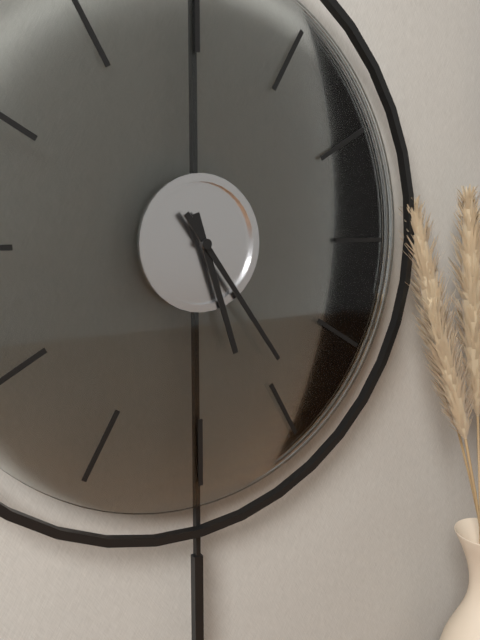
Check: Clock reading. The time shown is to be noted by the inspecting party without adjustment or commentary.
5:24
